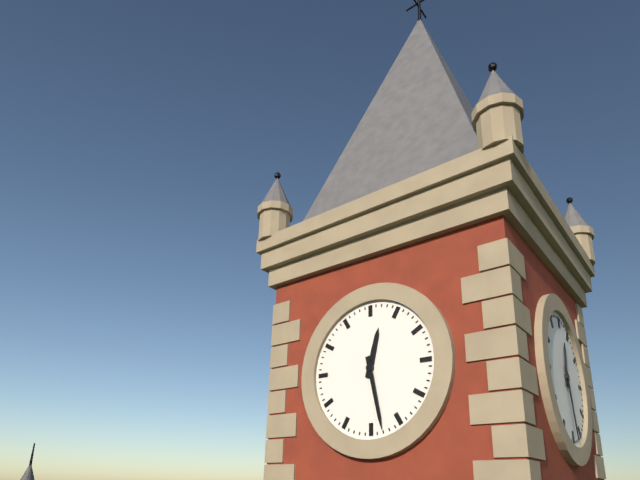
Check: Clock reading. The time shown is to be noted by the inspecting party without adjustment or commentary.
12:28
